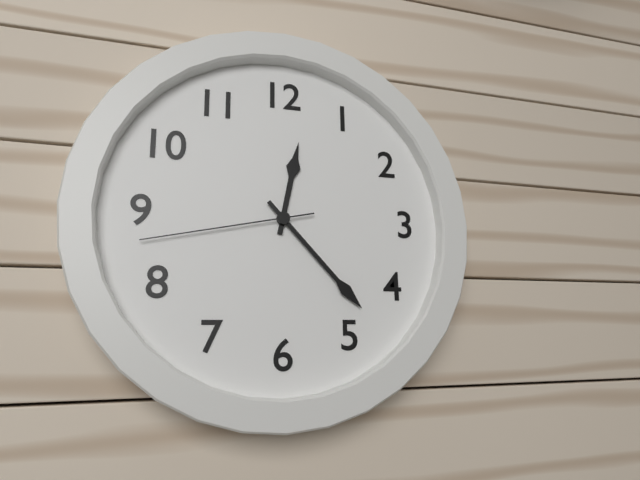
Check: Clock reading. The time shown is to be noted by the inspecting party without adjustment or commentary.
12:23:43
